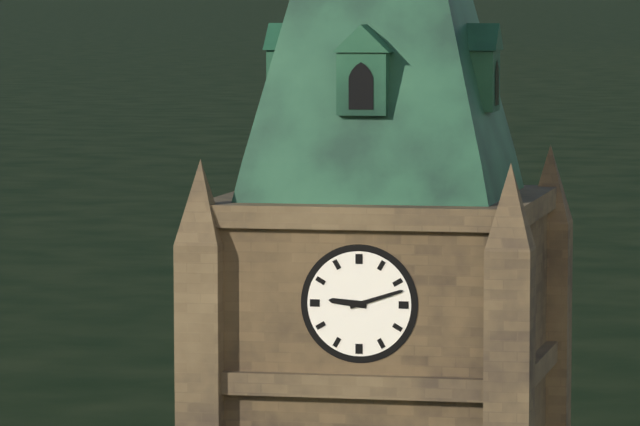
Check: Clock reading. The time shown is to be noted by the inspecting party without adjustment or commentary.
9:12
